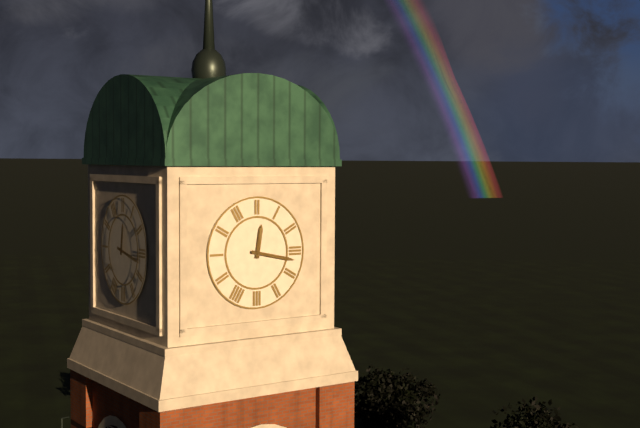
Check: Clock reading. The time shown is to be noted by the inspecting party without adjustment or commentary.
12:17
